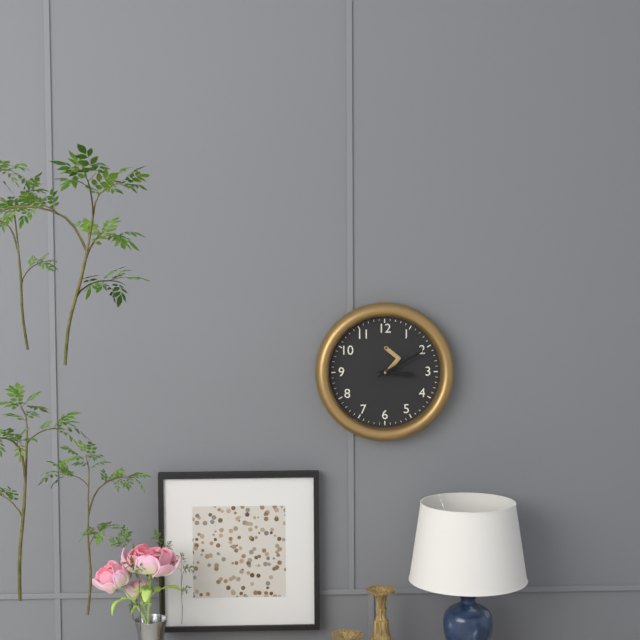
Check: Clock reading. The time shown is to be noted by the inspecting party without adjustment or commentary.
3:10
